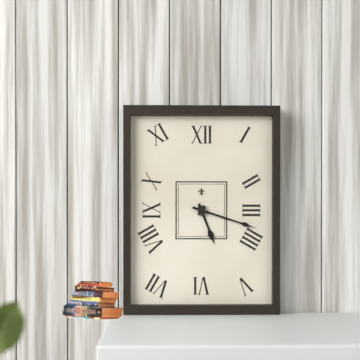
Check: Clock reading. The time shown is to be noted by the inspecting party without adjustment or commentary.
5:18
